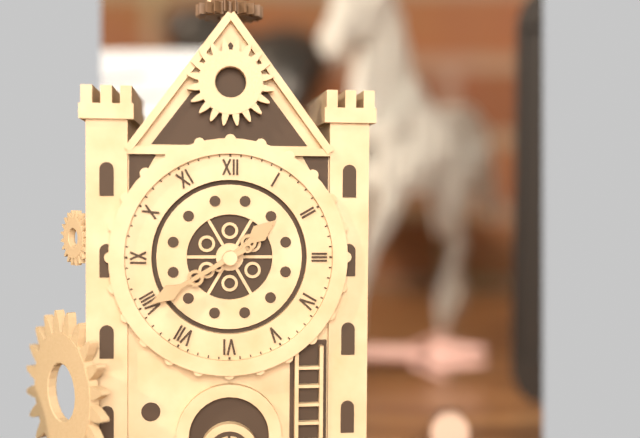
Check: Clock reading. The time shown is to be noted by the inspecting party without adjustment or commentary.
1:40
